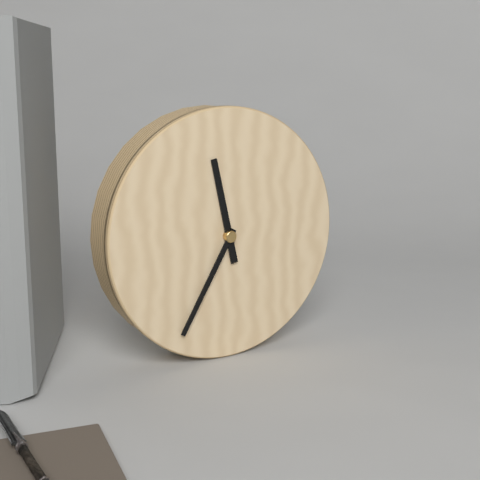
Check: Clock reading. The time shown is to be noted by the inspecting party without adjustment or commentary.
11:35
